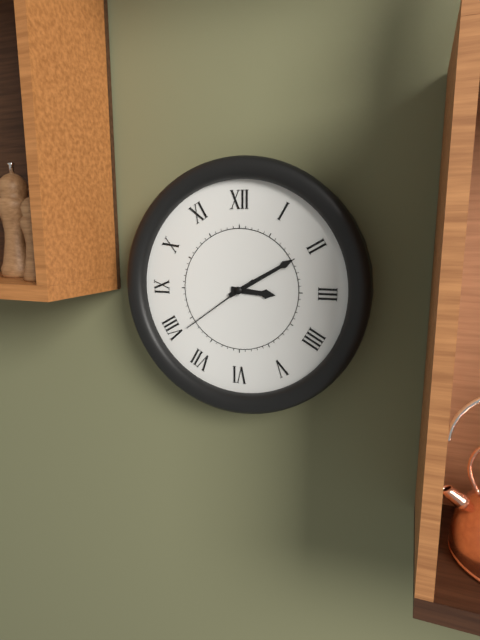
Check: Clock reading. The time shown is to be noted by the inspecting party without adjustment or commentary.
3:10:39
